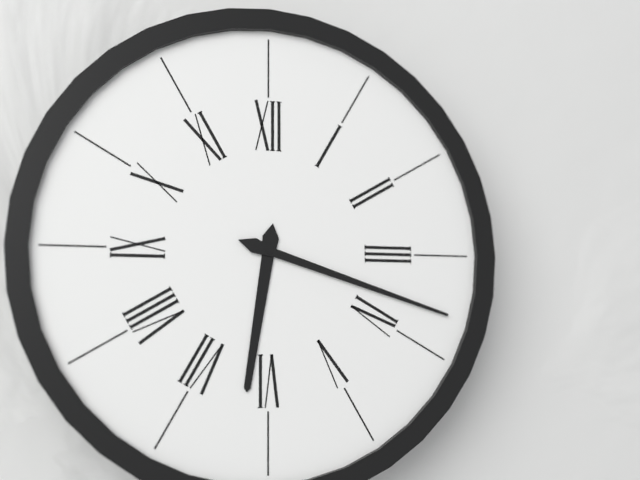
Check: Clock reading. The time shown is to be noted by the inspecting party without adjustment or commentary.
6:18
